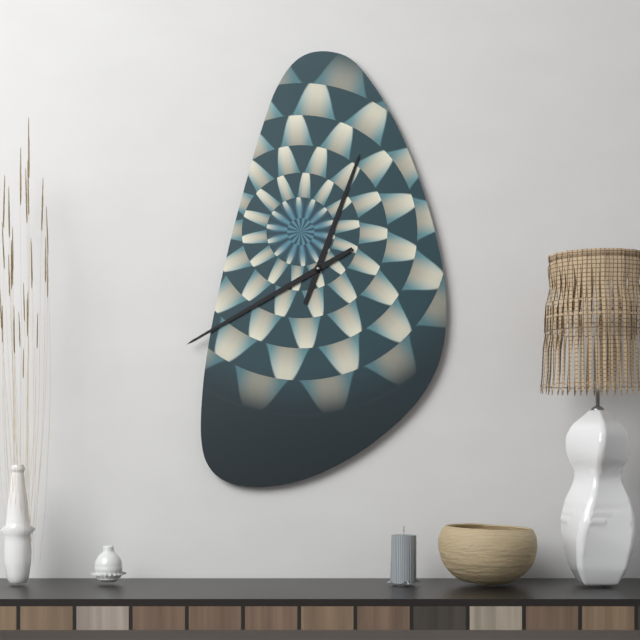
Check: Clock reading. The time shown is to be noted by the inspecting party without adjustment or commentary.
12:40
